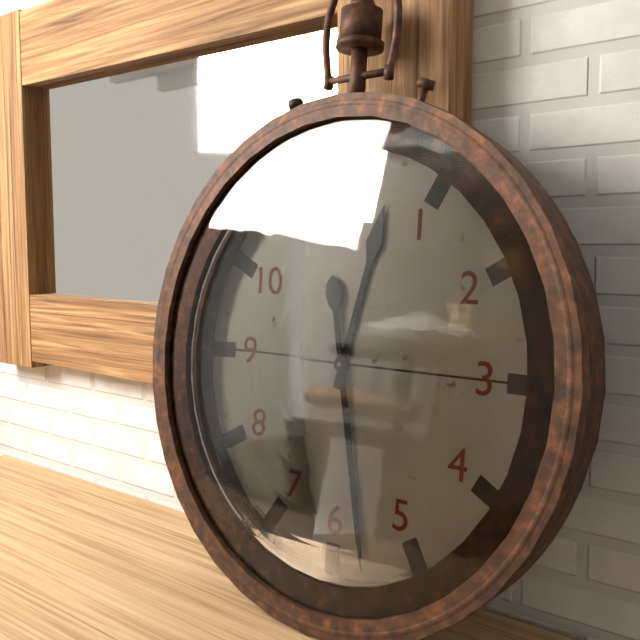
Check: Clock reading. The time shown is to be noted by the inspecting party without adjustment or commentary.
12:28
